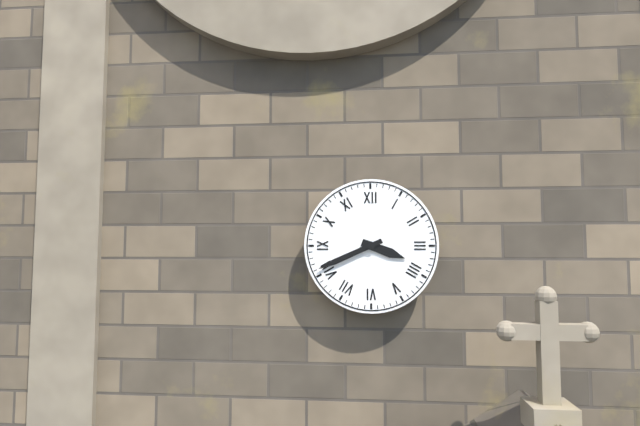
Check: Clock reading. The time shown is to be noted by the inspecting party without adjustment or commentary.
3:41
